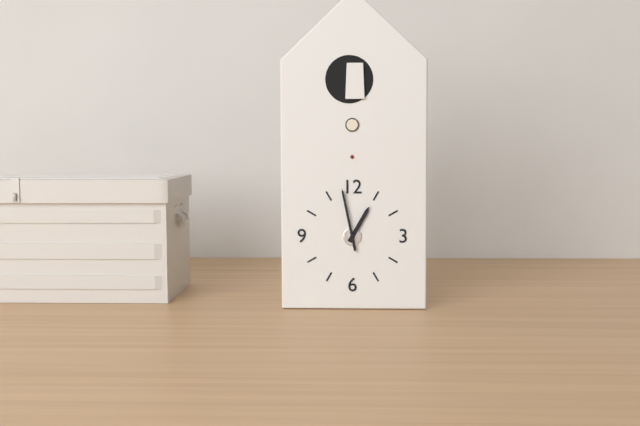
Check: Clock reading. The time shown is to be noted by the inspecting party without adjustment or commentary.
12:58
